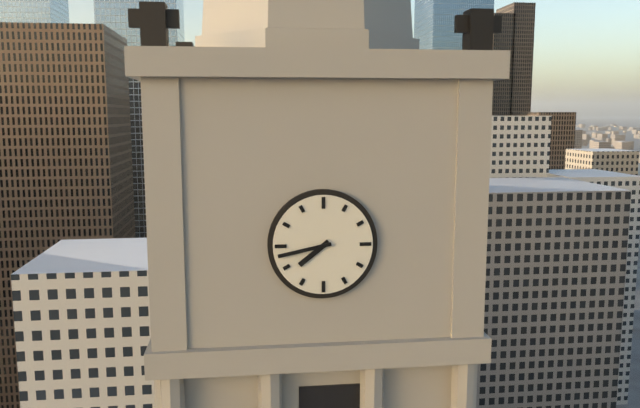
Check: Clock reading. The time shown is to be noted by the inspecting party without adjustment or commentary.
7:43
